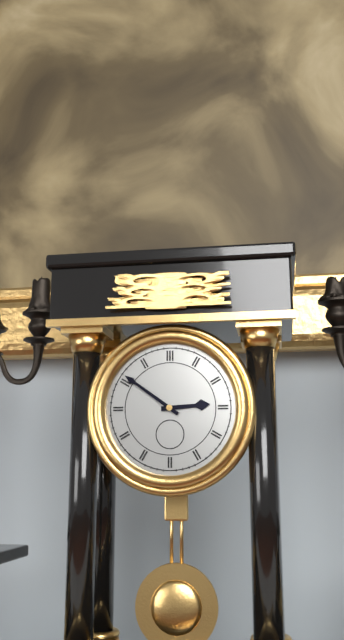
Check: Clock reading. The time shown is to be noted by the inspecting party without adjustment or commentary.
2:51
